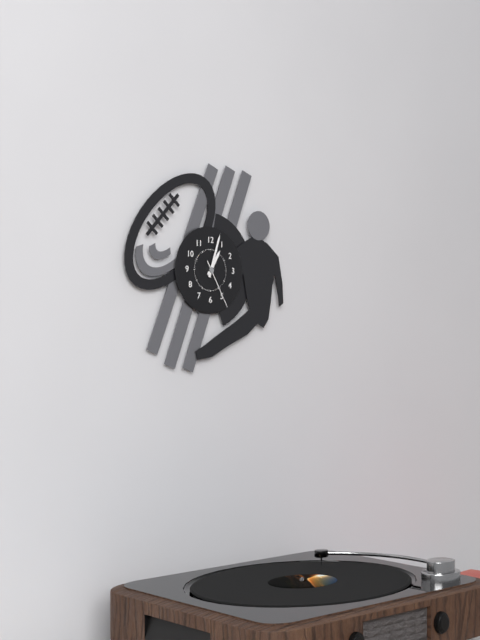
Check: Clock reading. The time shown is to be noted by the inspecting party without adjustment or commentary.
1:03:25
